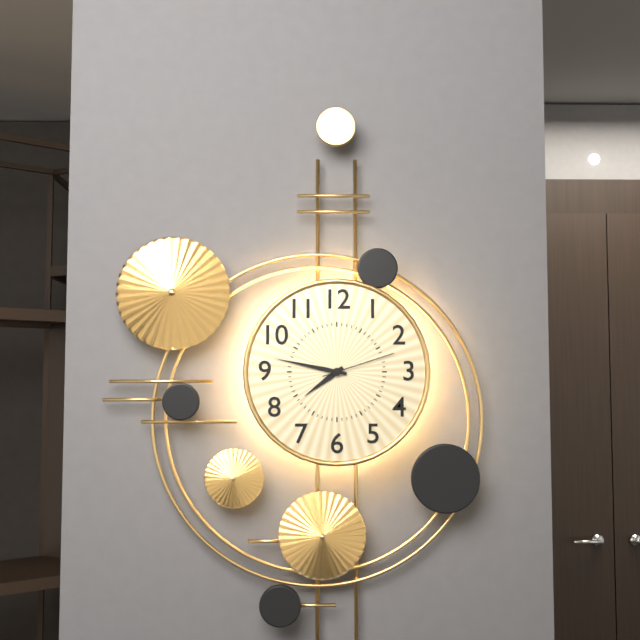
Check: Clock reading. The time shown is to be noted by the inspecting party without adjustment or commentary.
7:47:12
